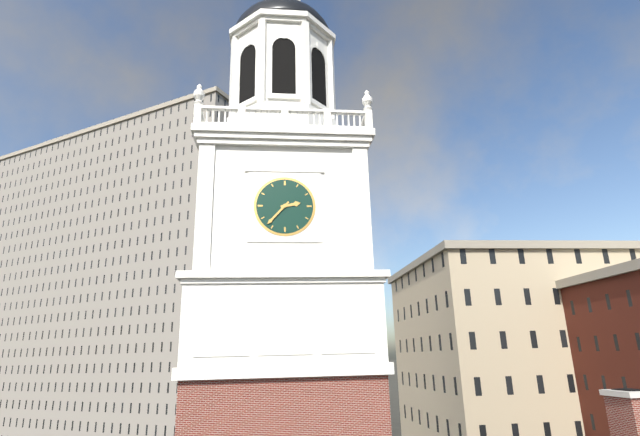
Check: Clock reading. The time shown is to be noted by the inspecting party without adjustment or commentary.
2:37
